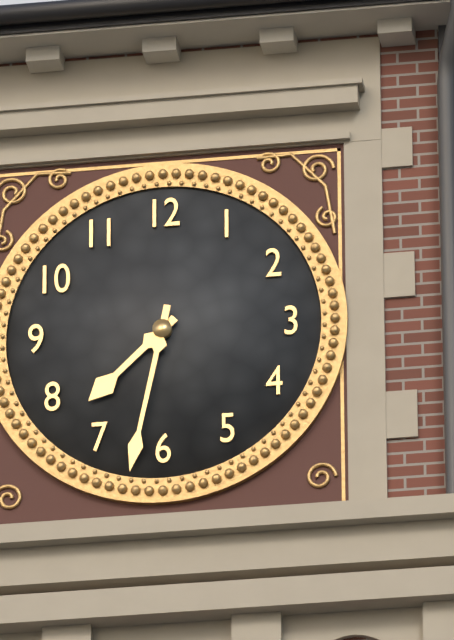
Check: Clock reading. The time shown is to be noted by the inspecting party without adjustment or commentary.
7:32
